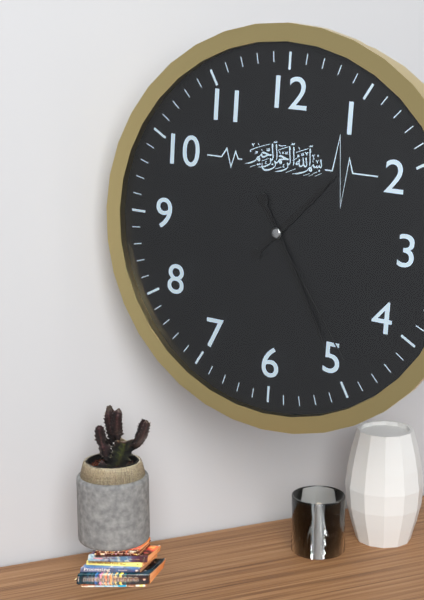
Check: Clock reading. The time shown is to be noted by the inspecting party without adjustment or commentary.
1:25:24
